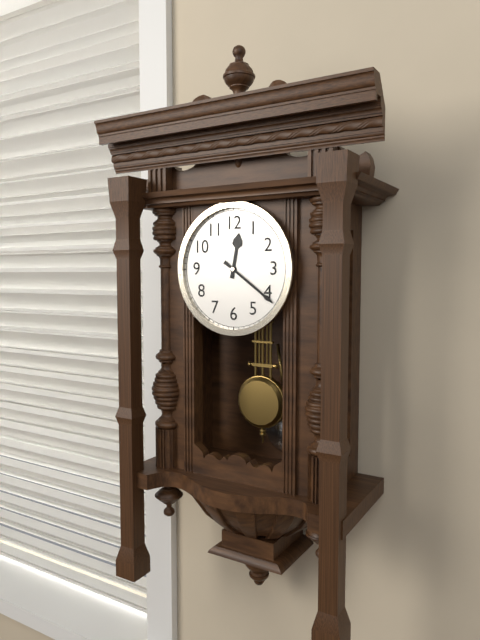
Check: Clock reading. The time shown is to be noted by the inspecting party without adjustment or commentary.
12:21
